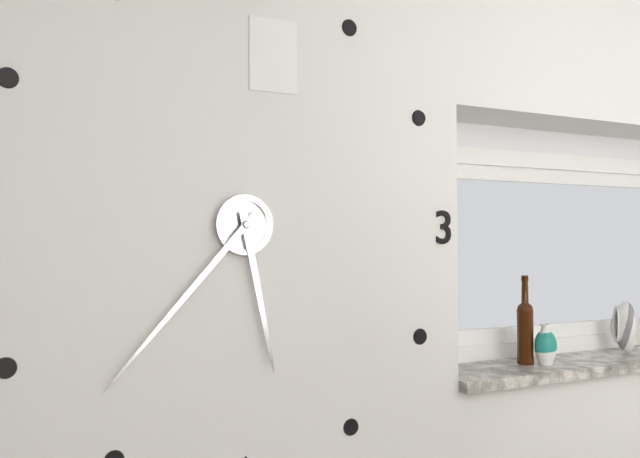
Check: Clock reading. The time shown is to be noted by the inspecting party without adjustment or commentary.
5:37
